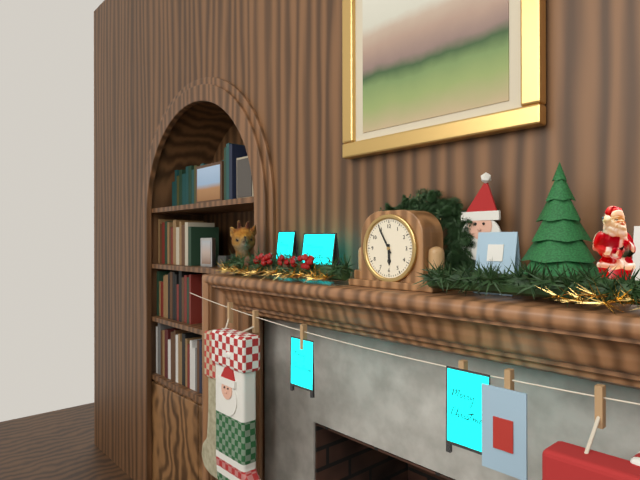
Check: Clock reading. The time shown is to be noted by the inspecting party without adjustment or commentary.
5:55
